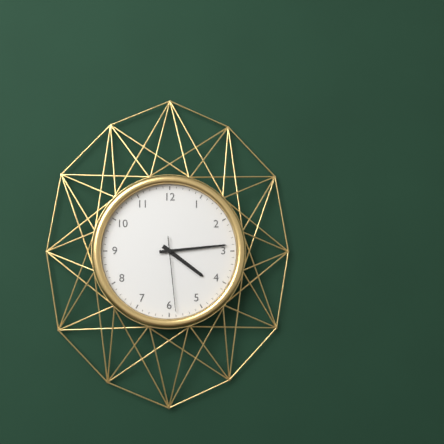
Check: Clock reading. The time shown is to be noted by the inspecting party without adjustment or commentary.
4:14:29
